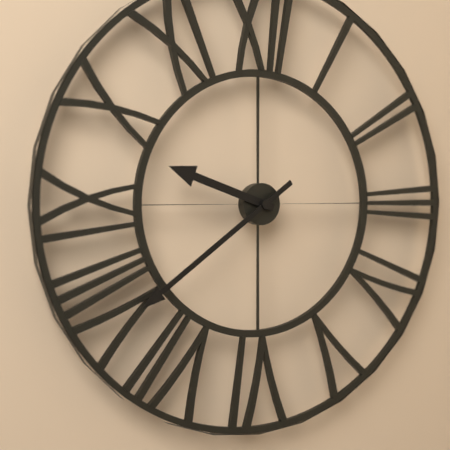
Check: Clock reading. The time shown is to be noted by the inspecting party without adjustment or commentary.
9:39
